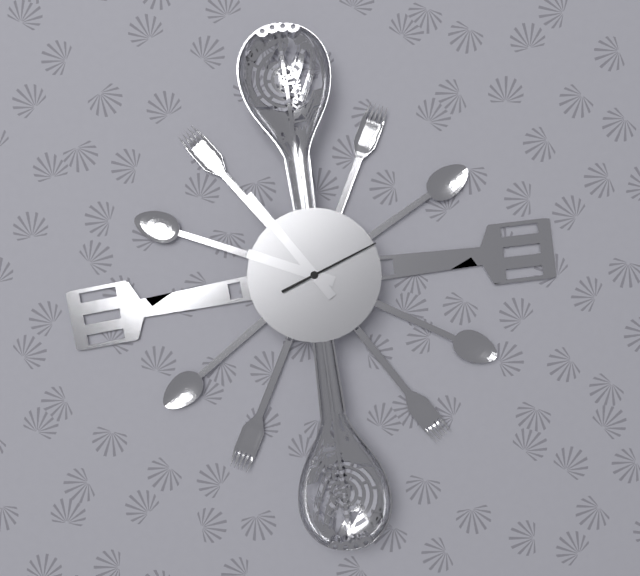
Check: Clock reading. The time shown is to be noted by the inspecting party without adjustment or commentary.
9:55:12
